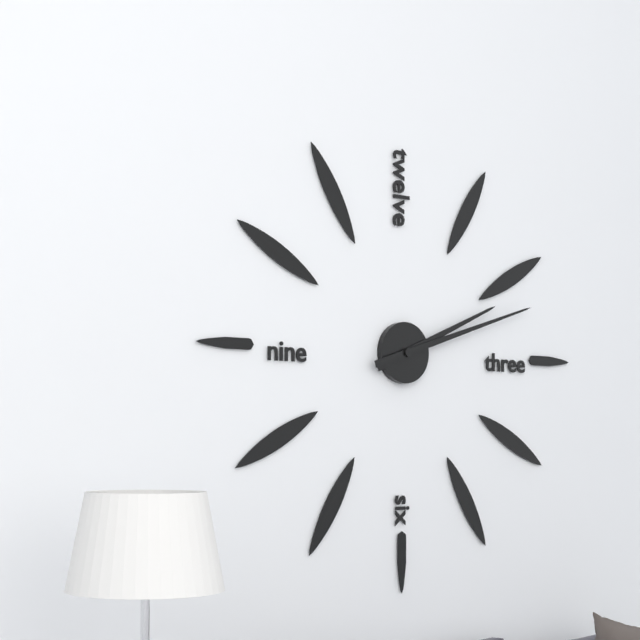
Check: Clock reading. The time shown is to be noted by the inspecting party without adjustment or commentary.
2:12
